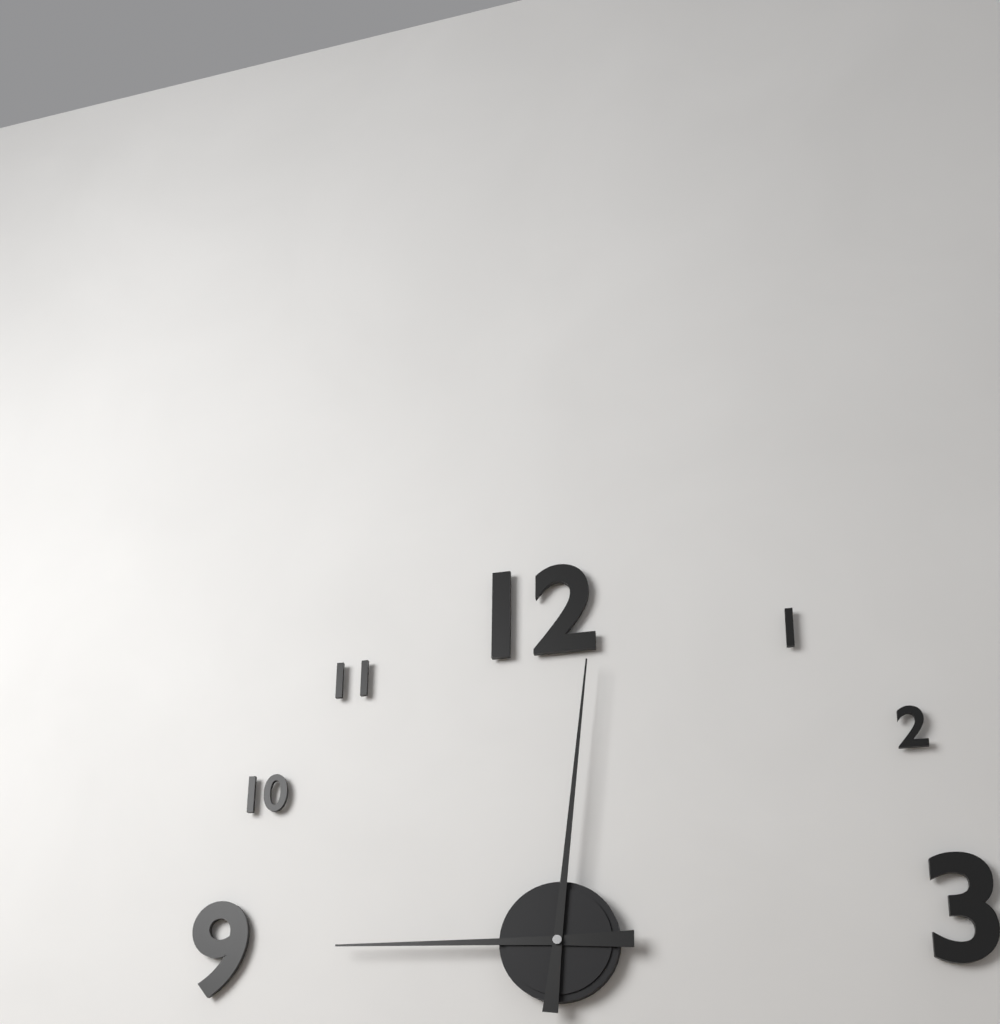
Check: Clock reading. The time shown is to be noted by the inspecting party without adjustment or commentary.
9:01
